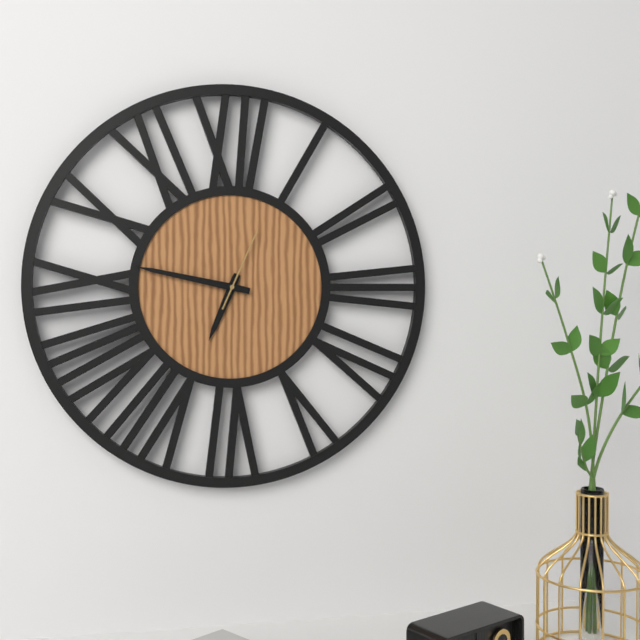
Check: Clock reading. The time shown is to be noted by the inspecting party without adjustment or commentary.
6:47:04
